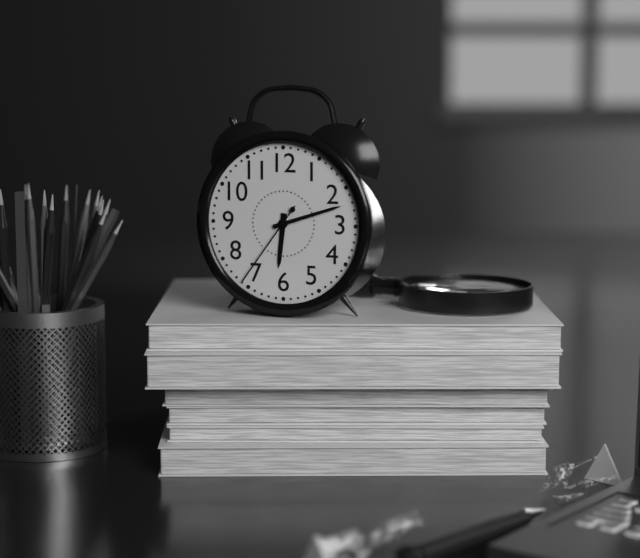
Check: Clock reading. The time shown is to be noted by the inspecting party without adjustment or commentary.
6:12:36
